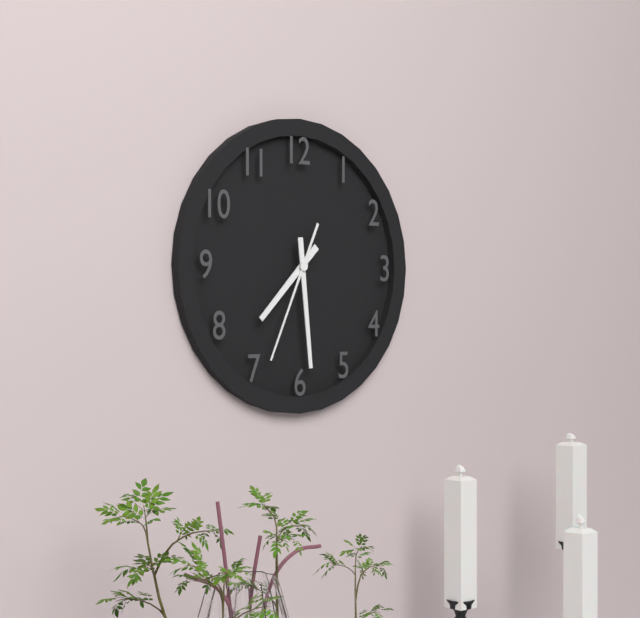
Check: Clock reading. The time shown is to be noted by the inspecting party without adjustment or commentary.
7:29:34
